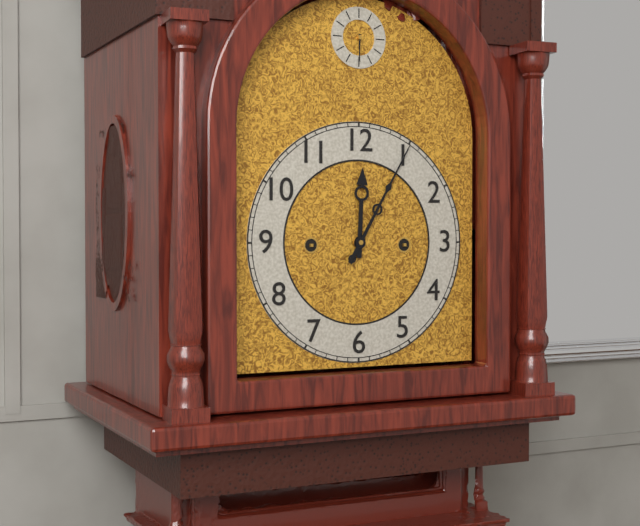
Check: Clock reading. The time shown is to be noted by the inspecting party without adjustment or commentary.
12:05
